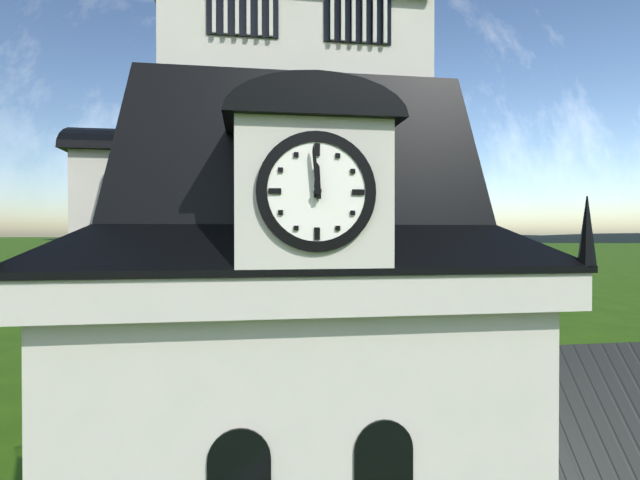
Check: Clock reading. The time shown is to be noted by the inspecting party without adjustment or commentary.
11:59
